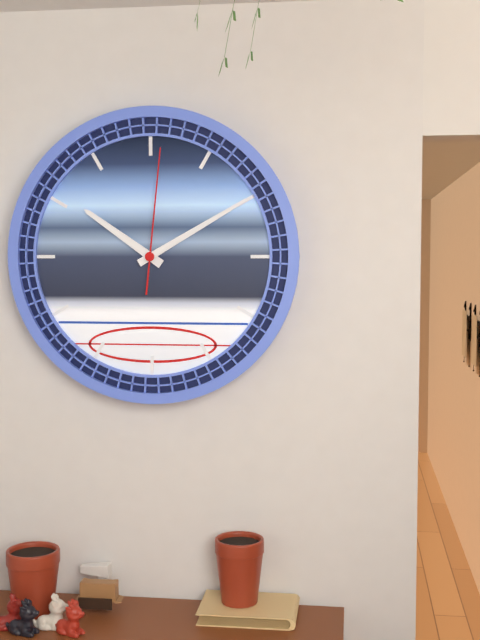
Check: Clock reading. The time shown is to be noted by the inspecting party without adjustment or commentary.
10:10:01
